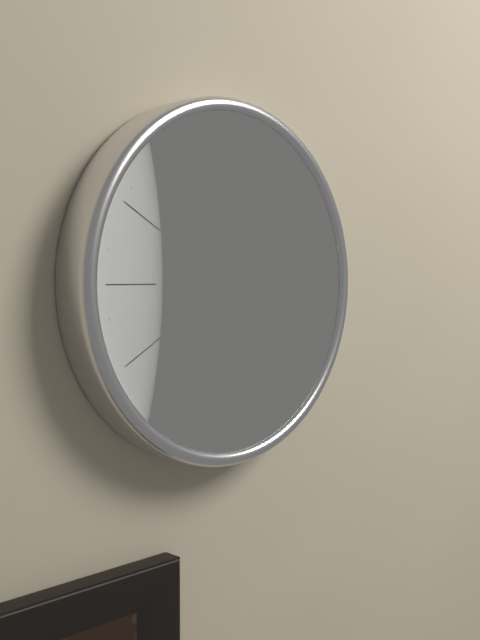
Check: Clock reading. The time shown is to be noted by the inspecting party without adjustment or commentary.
3:54
